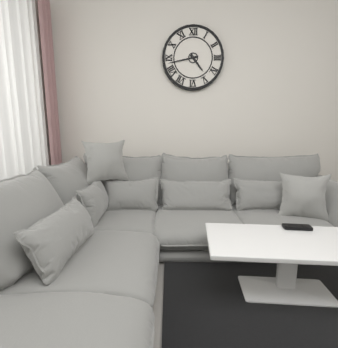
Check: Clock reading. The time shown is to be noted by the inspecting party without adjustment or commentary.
4:43
